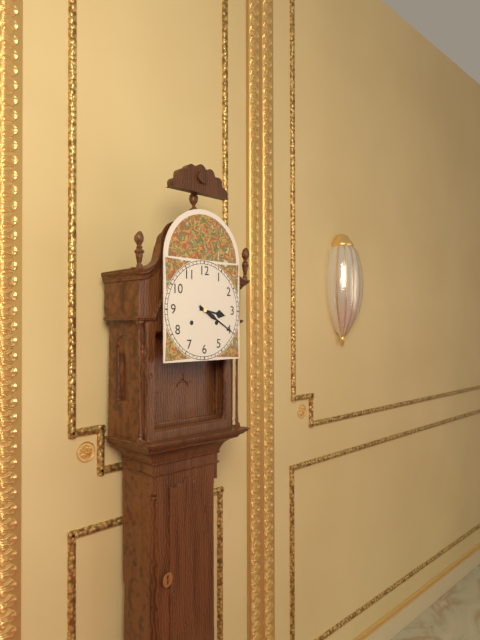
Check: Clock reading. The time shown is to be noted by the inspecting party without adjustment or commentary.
3:20
